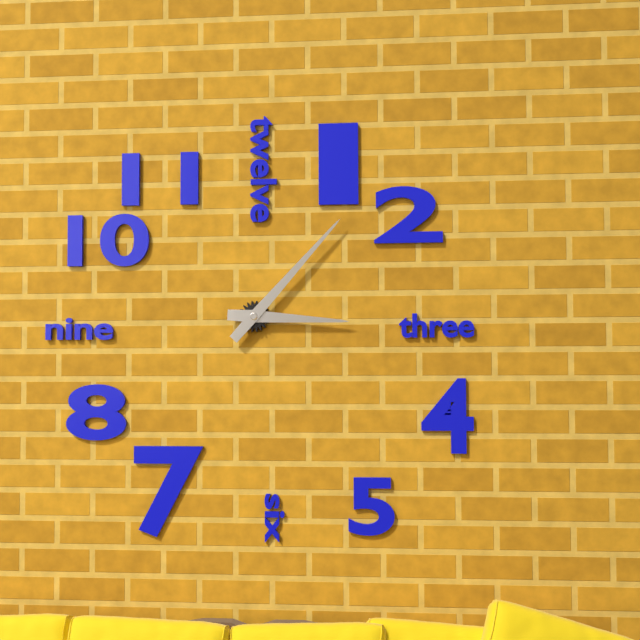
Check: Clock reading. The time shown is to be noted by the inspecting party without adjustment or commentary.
3:07
